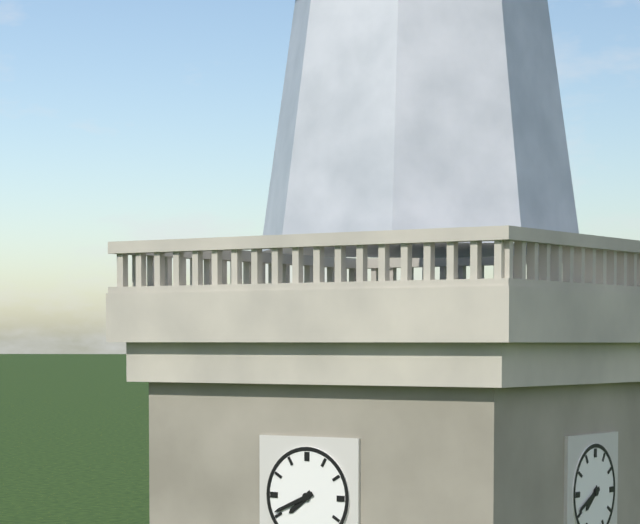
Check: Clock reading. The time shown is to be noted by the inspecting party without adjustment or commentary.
7:41
